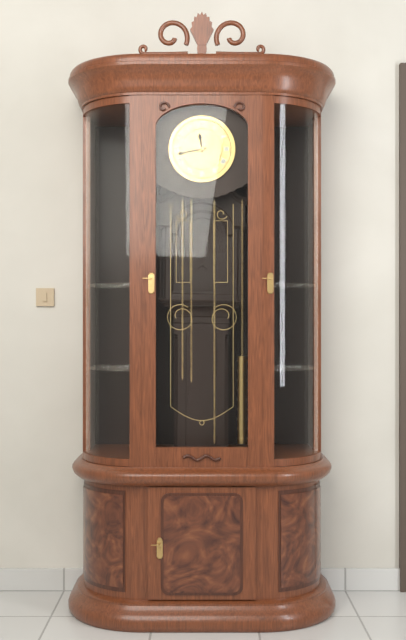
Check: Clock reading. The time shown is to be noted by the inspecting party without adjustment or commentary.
11:43
